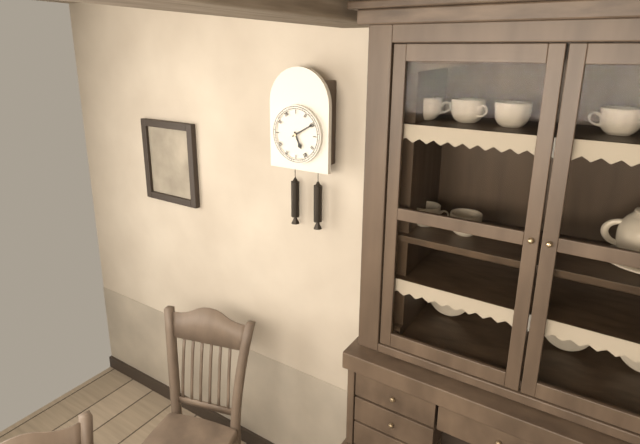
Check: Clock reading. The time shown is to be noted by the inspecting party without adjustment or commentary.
5:10
